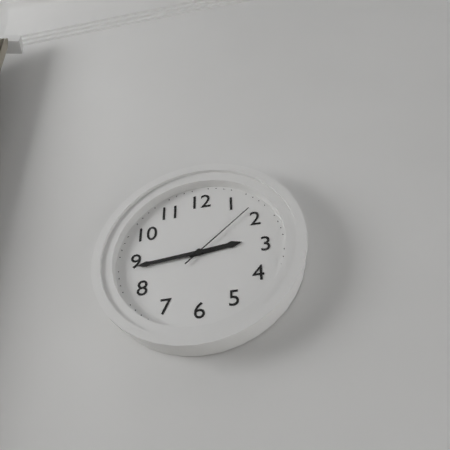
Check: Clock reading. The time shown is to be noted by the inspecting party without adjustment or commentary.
2:44:08
